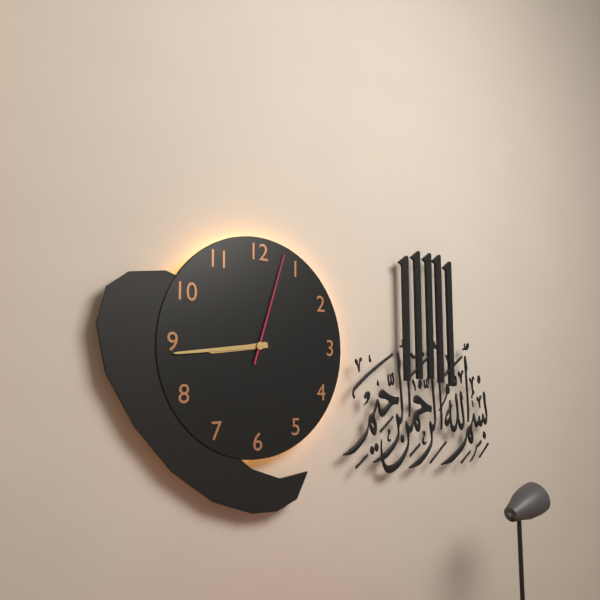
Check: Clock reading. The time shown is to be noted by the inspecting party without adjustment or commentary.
8:44:03
